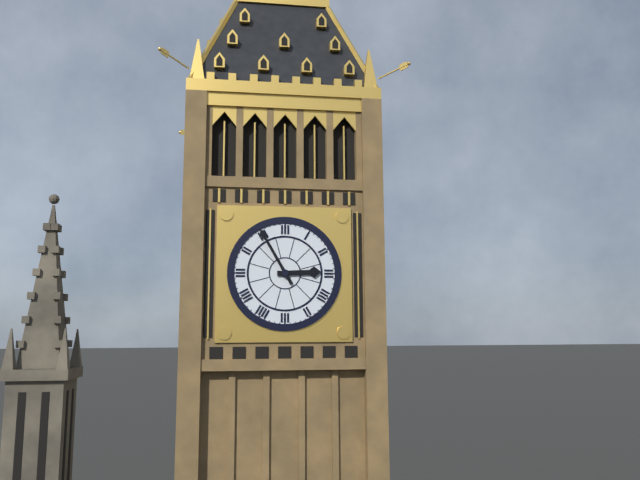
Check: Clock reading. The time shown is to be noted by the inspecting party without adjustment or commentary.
2:55
